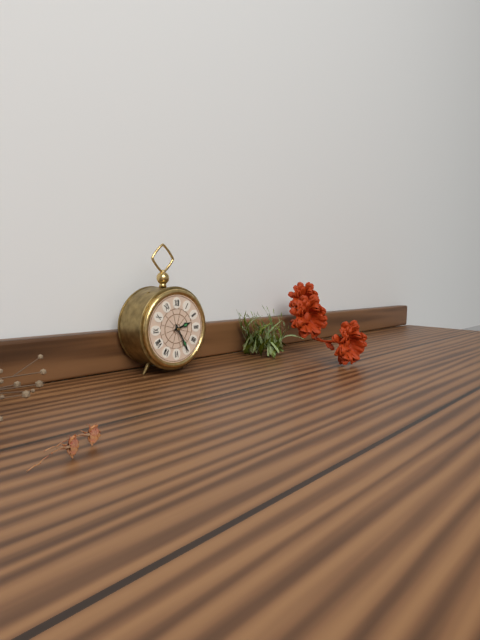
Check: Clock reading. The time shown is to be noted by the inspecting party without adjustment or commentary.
2:25
